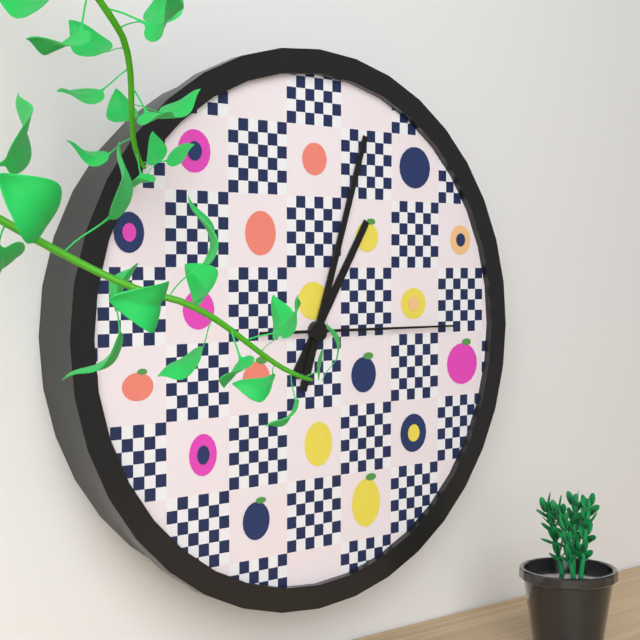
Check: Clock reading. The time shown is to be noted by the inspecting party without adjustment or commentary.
1:03:15
